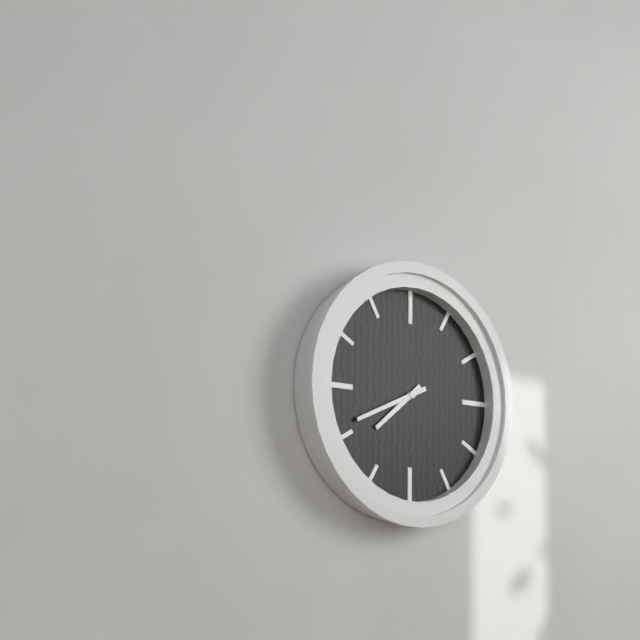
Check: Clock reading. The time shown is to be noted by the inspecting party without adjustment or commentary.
7:41
